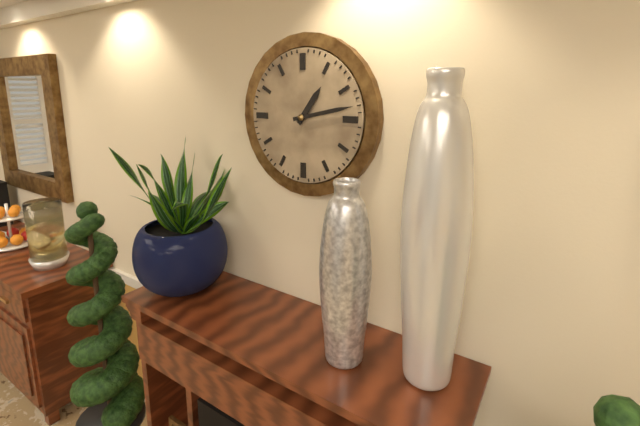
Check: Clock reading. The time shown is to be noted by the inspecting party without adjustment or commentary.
1:13
